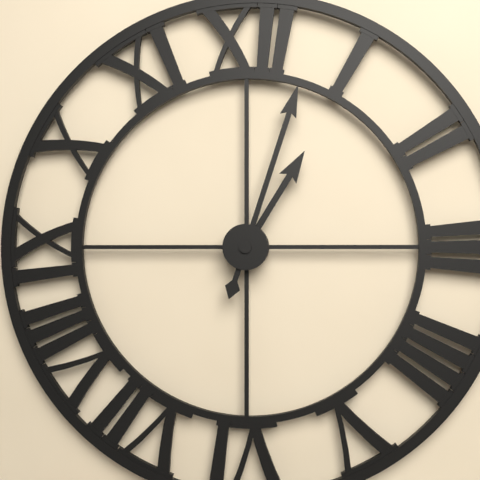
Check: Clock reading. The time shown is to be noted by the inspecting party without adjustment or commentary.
1:03
